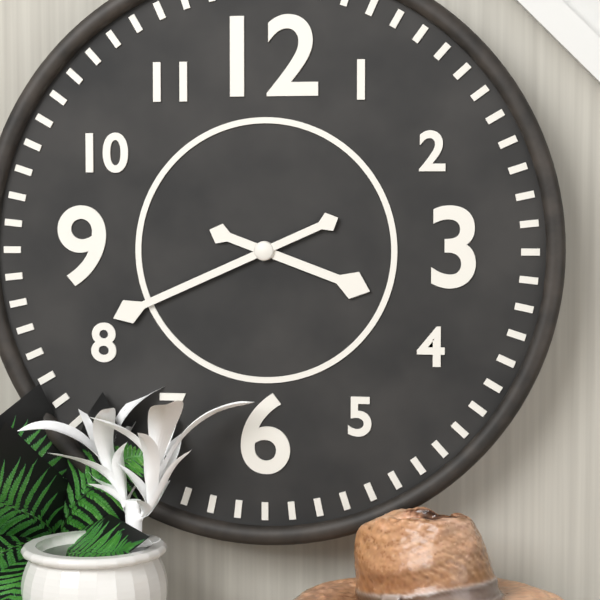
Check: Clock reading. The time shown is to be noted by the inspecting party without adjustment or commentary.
3:41
